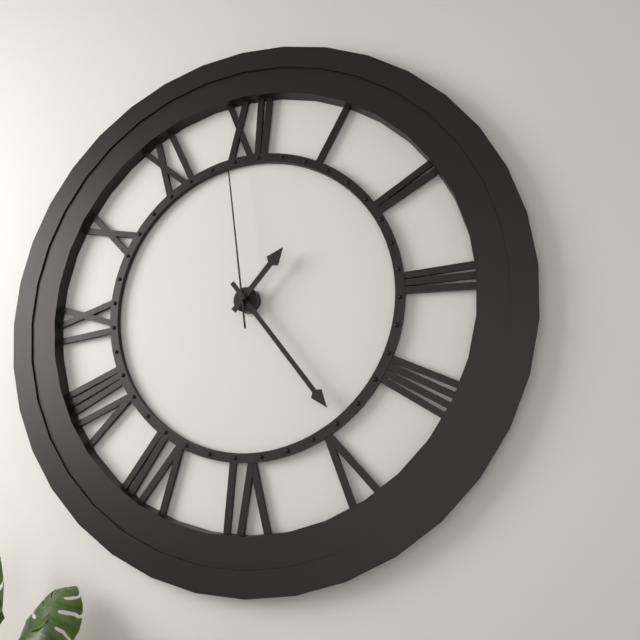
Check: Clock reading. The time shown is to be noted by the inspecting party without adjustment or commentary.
1:24:59
